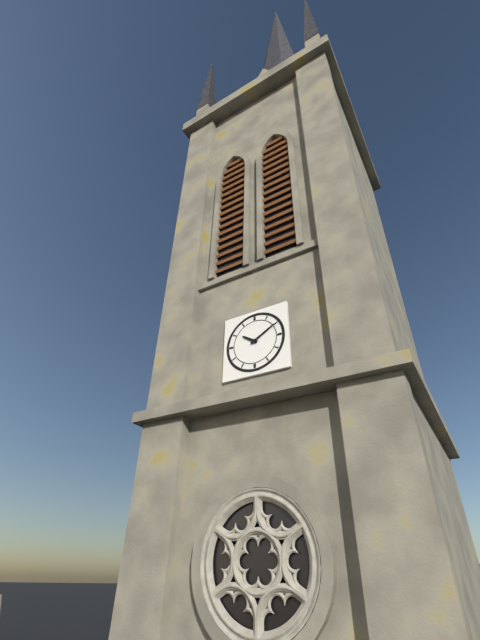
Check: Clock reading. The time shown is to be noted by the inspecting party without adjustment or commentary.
10:10
